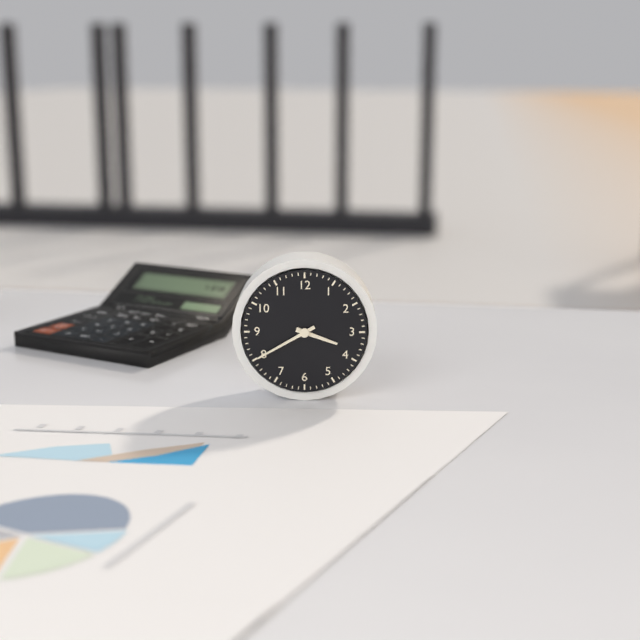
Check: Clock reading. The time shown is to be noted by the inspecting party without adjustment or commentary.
3:40
